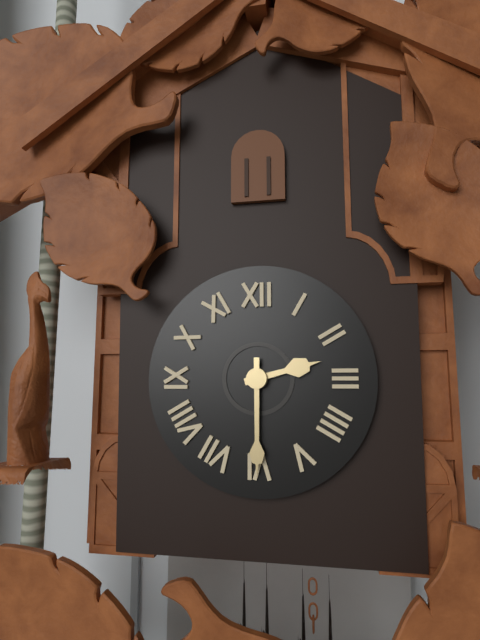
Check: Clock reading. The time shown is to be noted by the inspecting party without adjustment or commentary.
2:30
